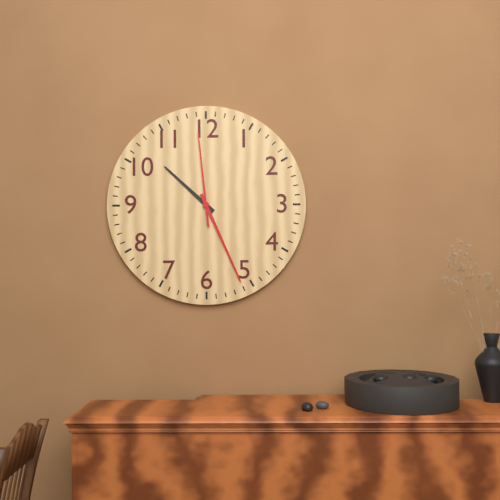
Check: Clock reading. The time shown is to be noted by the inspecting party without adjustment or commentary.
10:26:59
